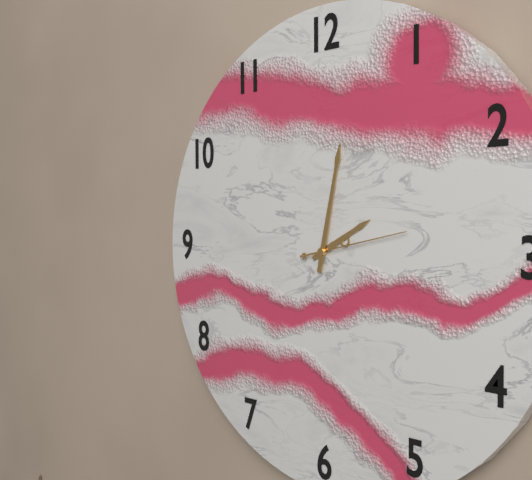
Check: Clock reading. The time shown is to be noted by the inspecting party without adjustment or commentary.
2:02:13
